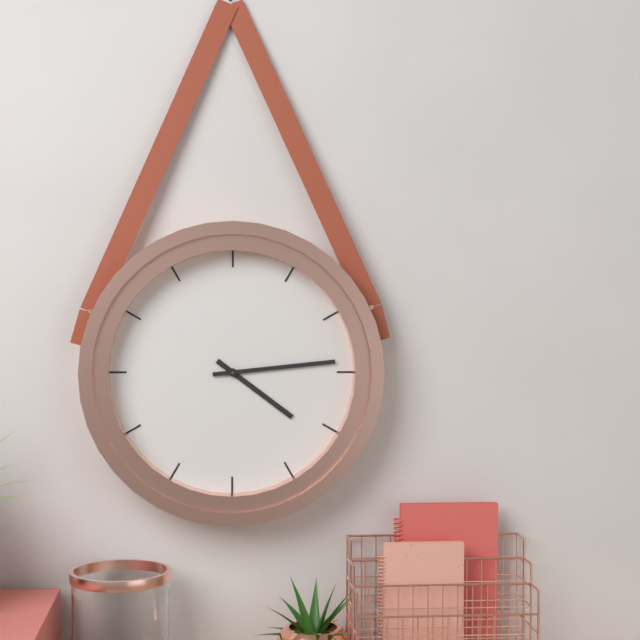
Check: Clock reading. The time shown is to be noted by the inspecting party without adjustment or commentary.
4:14
